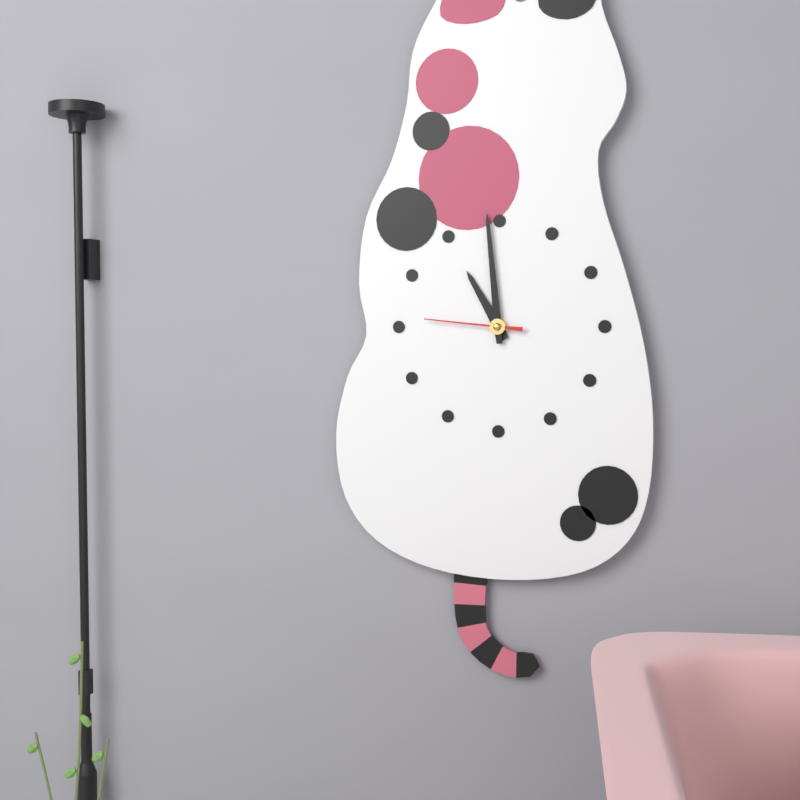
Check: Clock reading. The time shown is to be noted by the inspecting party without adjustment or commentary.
10:59:46
